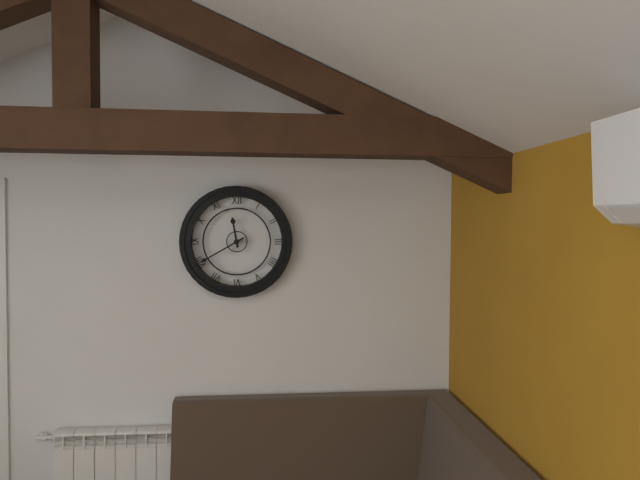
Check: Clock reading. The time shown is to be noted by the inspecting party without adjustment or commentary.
11:40
